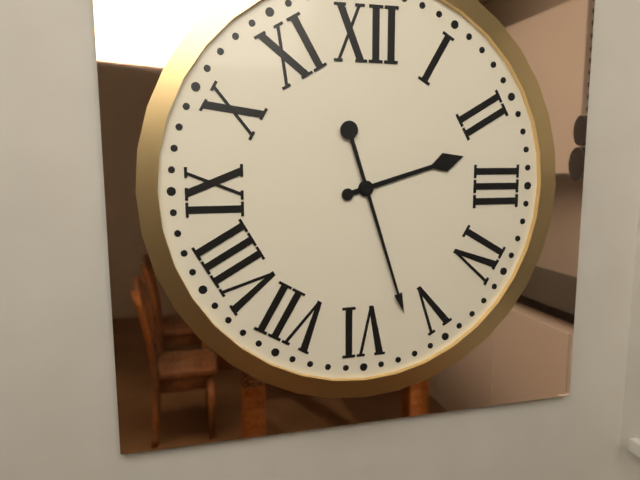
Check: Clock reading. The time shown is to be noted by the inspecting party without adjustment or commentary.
2:27
